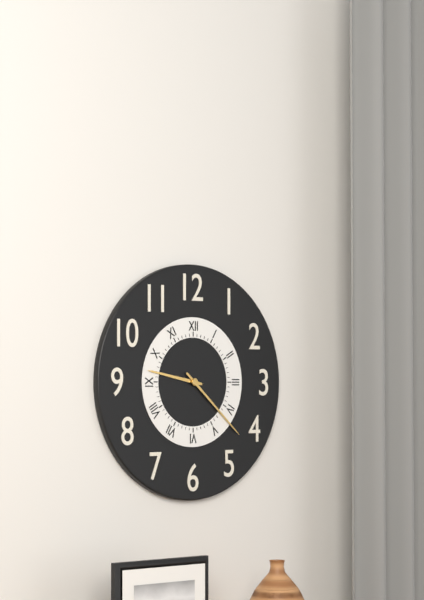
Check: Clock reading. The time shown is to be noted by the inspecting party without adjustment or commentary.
9:22
